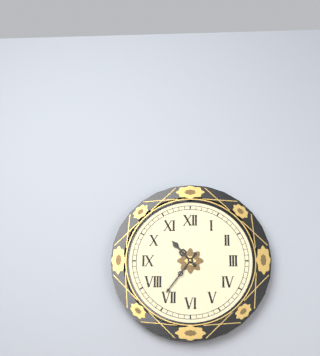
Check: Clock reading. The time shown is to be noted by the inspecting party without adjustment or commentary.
10:36
